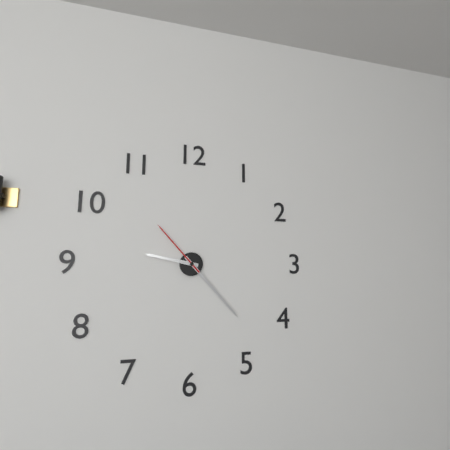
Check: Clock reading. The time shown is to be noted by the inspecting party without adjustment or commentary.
9:23:53
